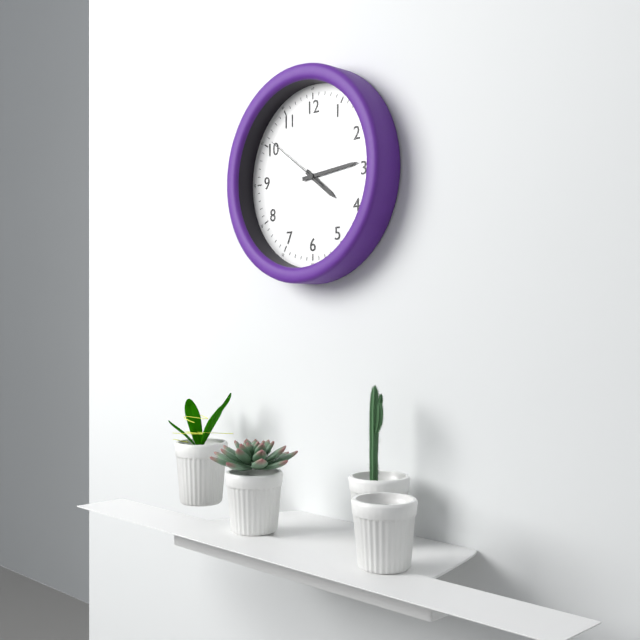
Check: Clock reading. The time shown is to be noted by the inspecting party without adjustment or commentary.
4:14:51
